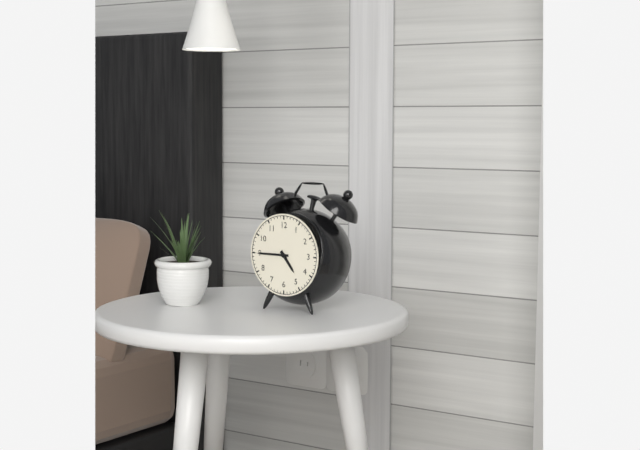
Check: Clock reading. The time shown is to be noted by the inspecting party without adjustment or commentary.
4:45
